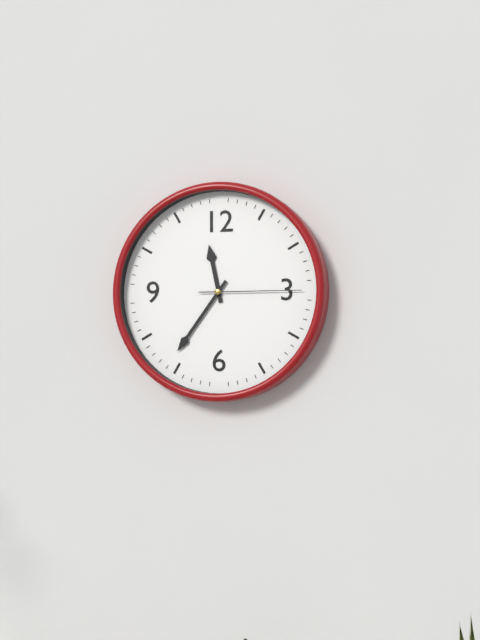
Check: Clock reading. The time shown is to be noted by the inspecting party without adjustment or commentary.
11:36:15
